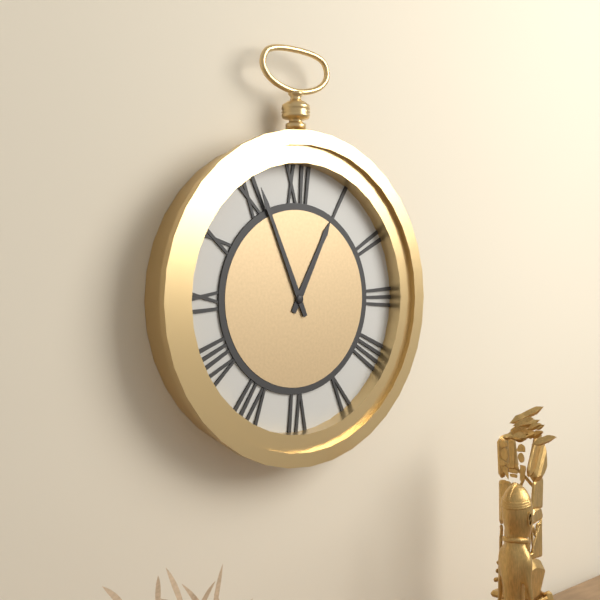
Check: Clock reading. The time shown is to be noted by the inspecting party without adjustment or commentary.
12:56
